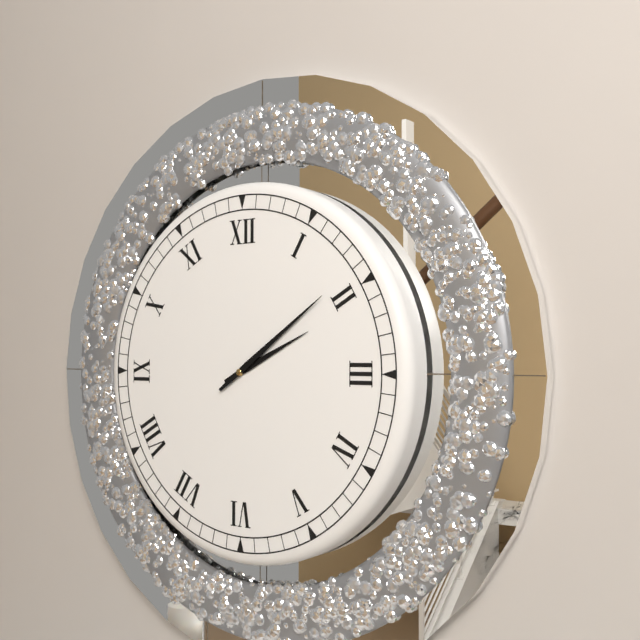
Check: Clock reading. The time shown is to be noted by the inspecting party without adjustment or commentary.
2:09
